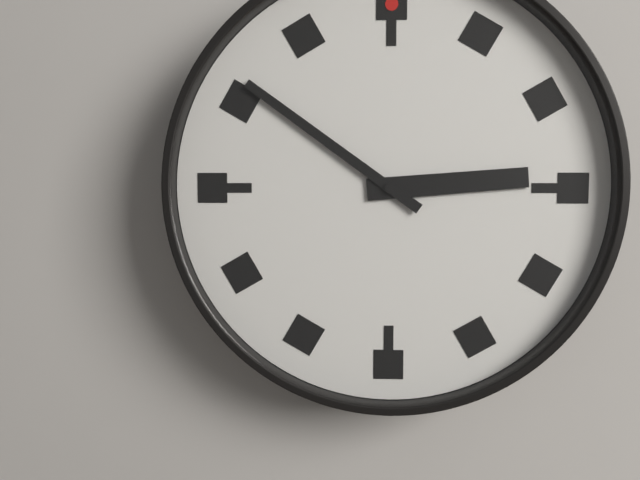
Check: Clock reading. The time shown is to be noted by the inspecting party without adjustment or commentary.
2:51
